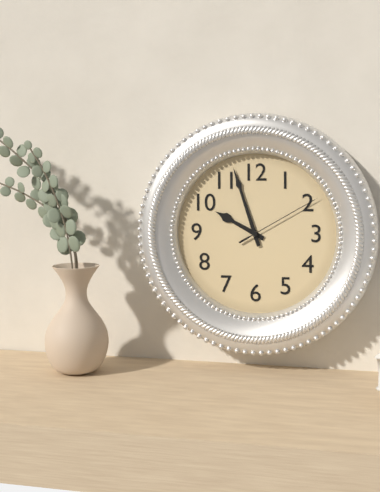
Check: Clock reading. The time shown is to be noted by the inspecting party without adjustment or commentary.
9:57:10
